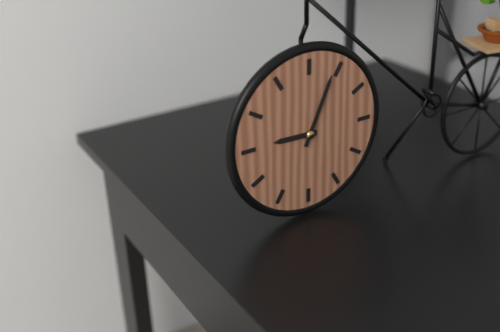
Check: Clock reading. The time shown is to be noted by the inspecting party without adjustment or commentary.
9:04
